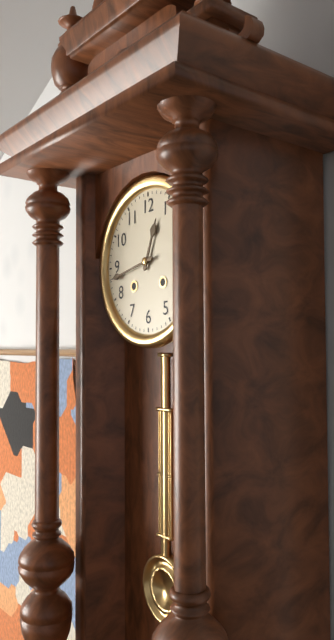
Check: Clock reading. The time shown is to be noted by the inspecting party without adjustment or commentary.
12:43
